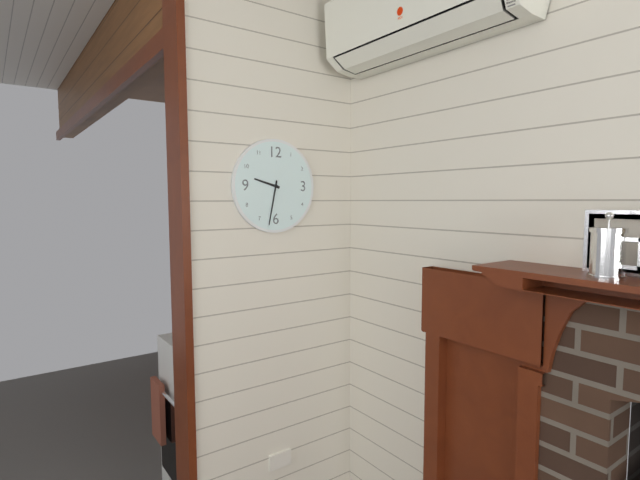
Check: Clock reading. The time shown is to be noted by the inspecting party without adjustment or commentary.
9:32
